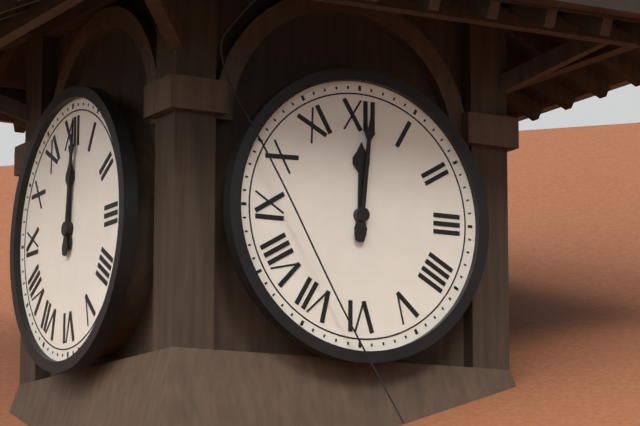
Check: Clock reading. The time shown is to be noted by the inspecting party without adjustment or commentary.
12:01
